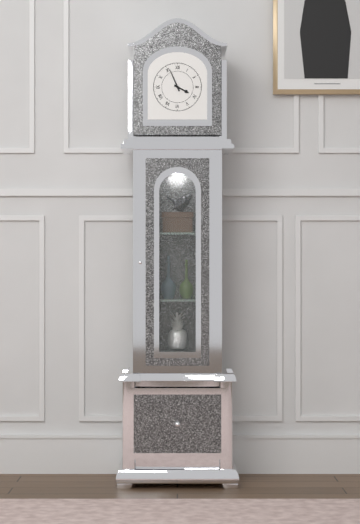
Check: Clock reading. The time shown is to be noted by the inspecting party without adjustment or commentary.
3:56
